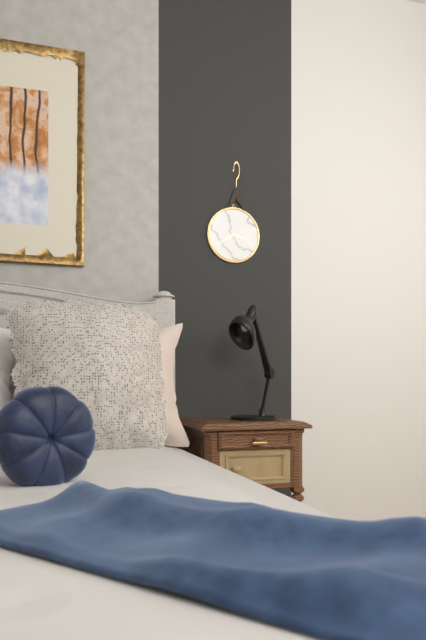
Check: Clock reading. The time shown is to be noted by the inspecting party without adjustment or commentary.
3:40
